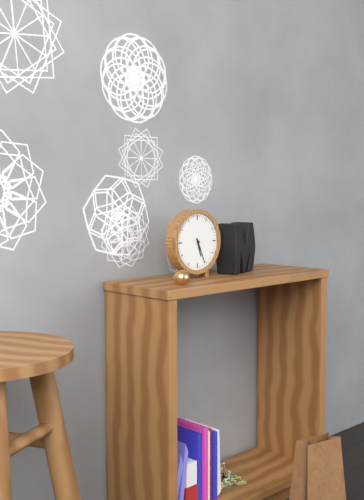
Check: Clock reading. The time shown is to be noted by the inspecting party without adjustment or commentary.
5:26
